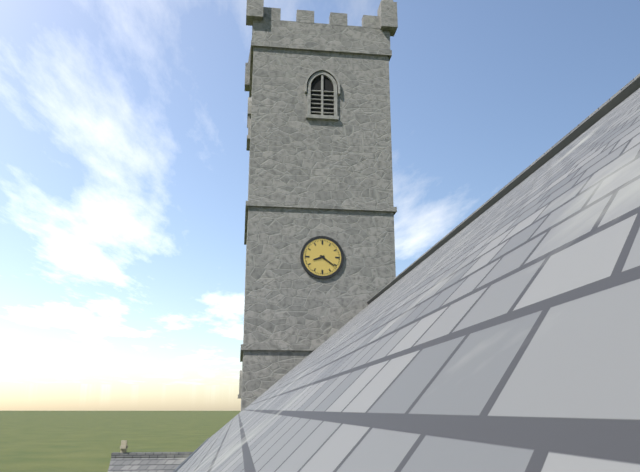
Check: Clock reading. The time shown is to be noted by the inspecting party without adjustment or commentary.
8:21
